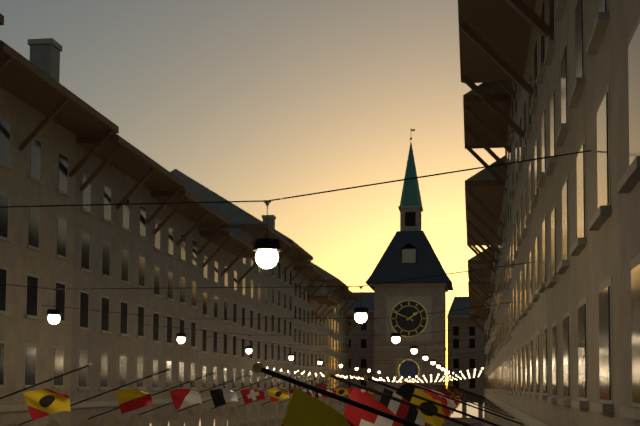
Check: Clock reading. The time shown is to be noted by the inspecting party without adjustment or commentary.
1:49
